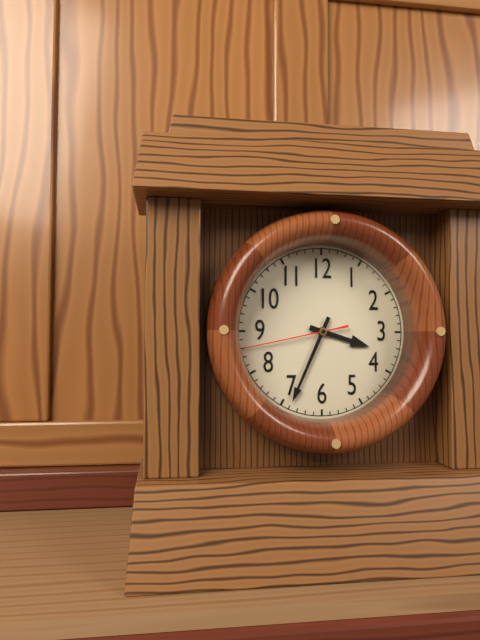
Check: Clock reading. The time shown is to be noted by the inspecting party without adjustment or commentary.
3:34:43
